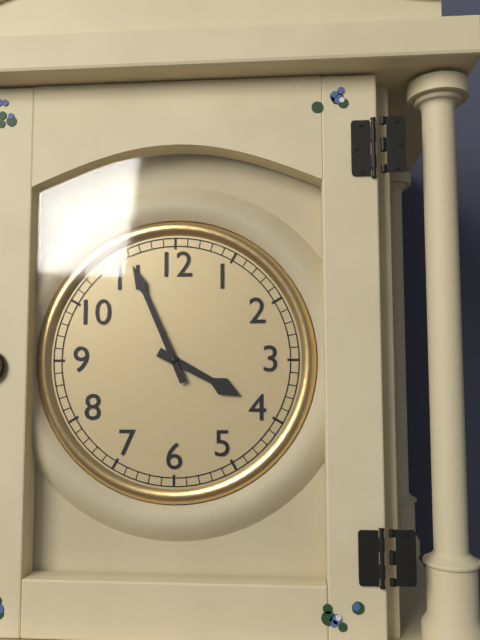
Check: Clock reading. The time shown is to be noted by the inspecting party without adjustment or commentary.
3:56
